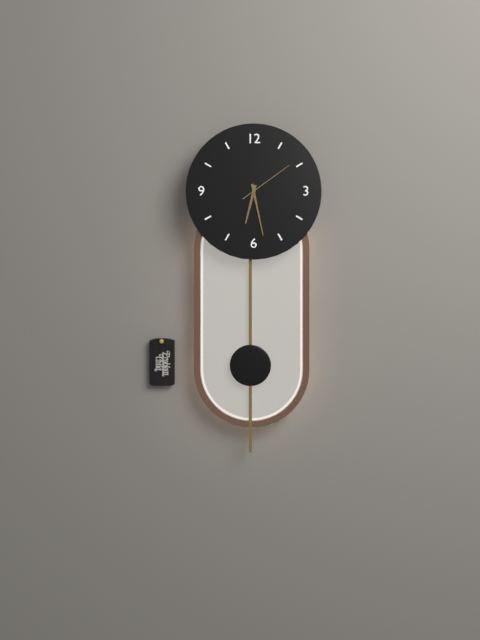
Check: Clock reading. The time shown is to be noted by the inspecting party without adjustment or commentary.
6:28:09
